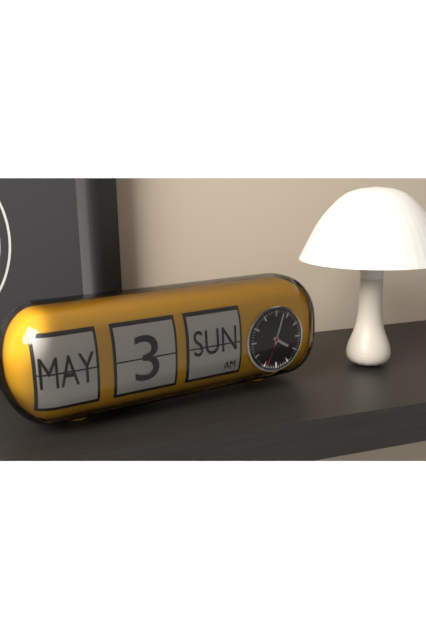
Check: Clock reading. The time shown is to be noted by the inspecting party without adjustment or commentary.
4:03:34
